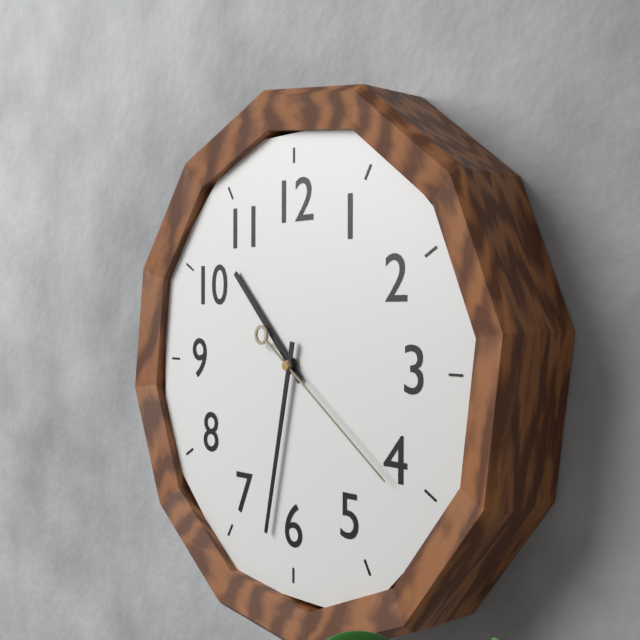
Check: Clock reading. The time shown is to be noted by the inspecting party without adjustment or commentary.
10:32:21
